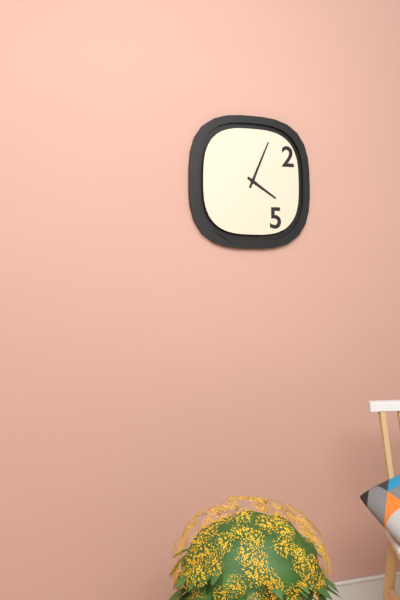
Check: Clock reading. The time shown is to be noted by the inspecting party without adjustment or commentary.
4:04
